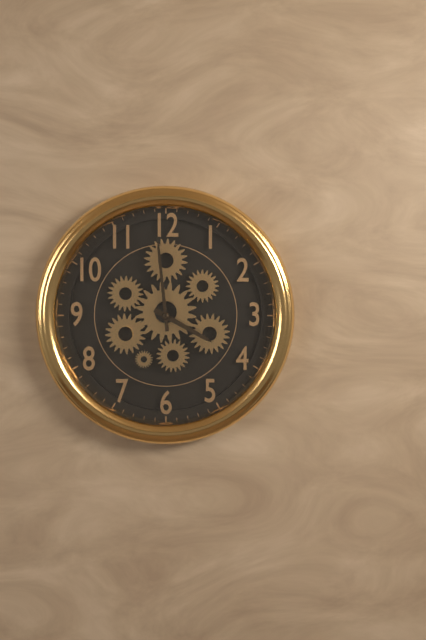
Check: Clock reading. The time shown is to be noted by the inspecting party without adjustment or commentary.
3:59
